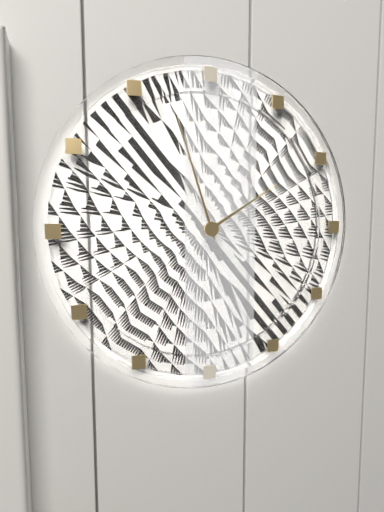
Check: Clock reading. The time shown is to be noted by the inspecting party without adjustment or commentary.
1:57
